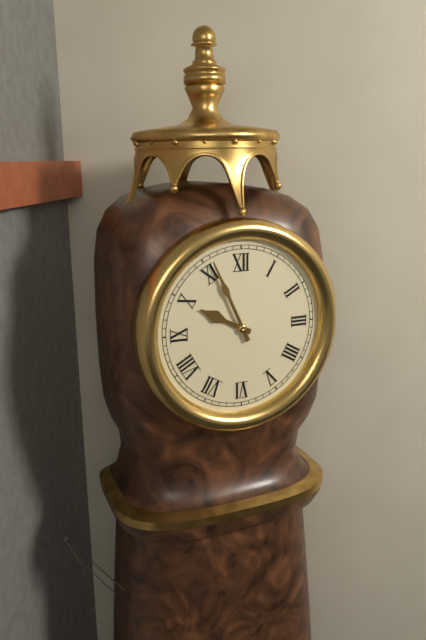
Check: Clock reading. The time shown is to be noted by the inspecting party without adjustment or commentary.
9:56
